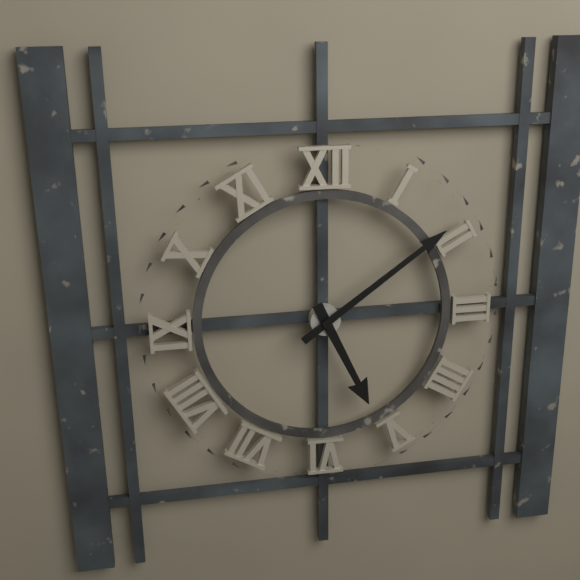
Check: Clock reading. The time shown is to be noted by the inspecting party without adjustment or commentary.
5:09
